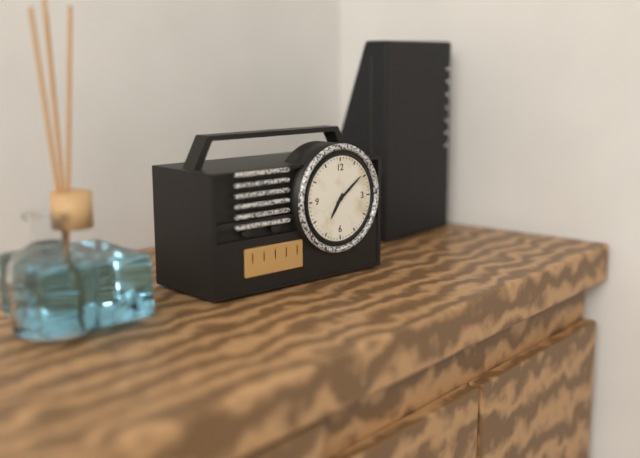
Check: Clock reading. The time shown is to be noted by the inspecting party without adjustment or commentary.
7:09
